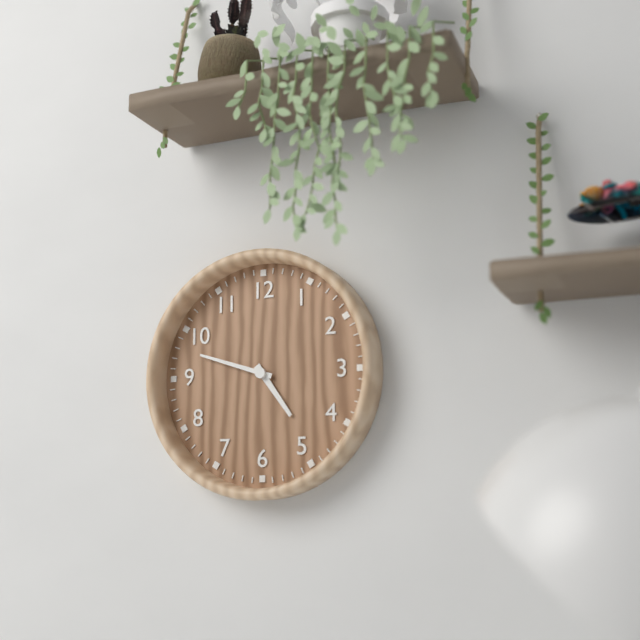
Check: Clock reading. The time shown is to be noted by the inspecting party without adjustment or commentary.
4:48
